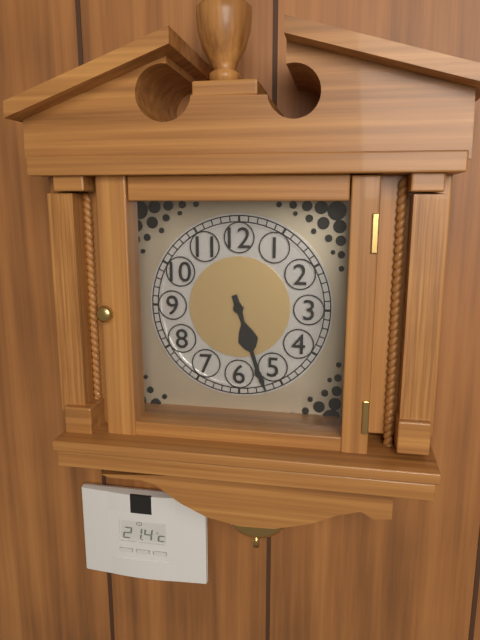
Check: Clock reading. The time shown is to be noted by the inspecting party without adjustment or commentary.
5:27
